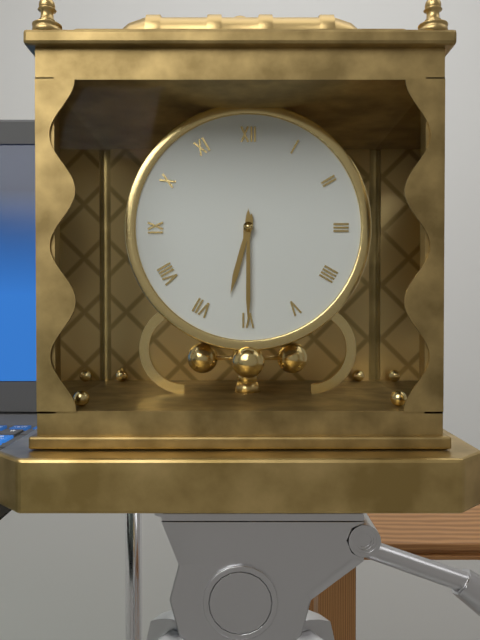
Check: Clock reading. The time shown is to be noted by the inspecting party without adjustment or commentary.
6:30
